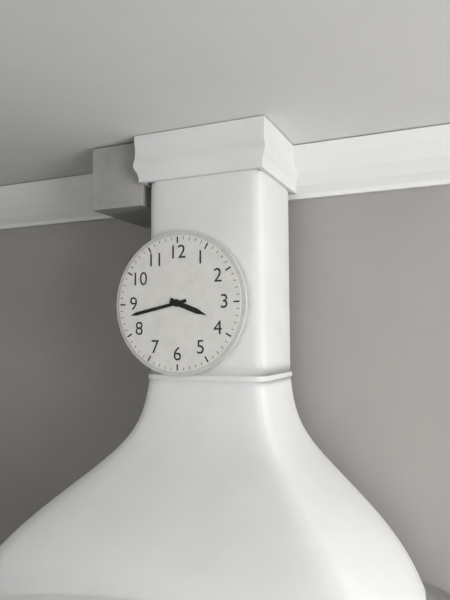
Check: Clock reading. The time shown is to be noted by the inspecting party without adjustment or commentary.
3:43
